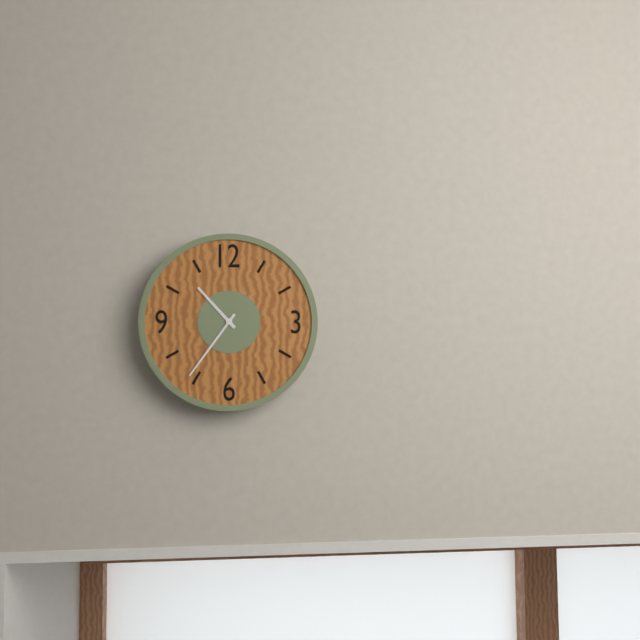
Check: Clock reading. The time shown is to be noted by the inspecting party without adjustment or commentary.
10:36
